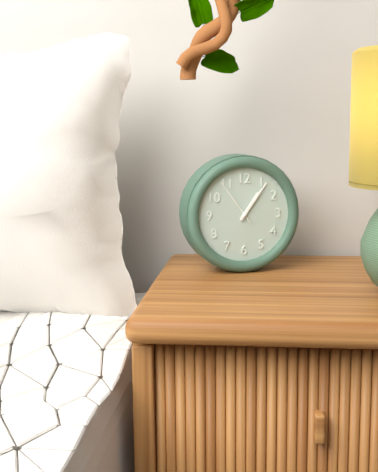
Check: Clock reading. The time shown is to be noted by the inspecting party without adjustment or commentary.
1:06:54
